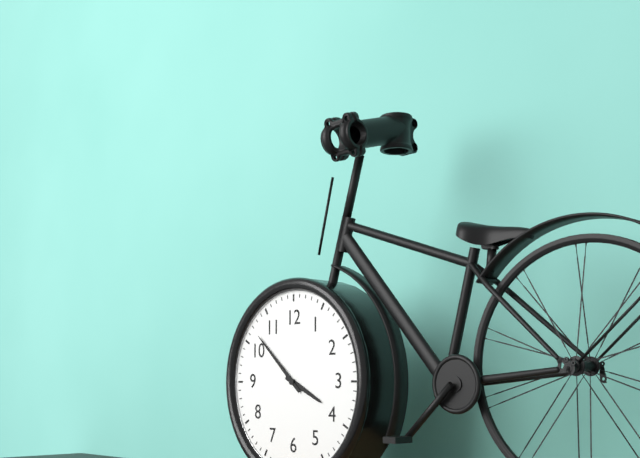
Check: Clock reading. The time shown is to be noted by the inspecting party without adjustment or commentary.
3:52
